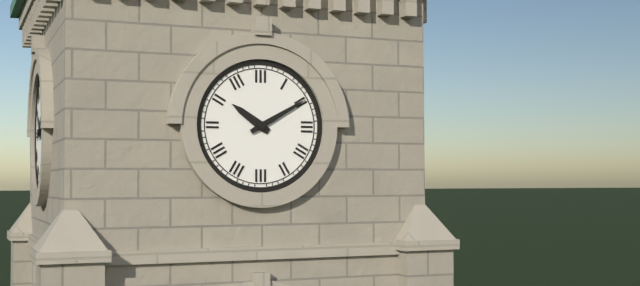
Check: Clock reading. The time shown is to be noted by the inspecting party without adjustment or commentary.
10:10
